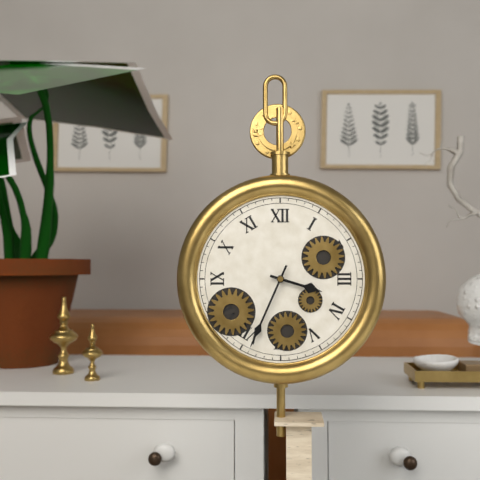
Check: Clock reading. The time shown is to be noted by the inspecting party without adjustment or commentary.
3:34
